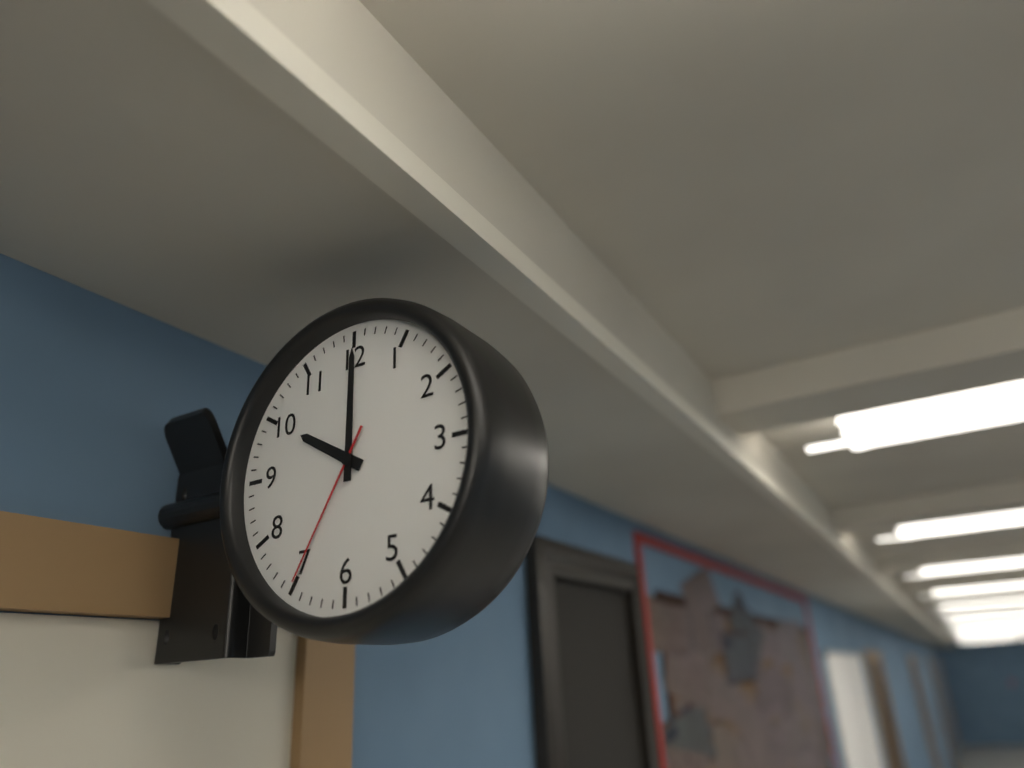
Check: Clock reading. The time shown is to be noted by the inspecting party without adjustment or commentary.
10:00:35
